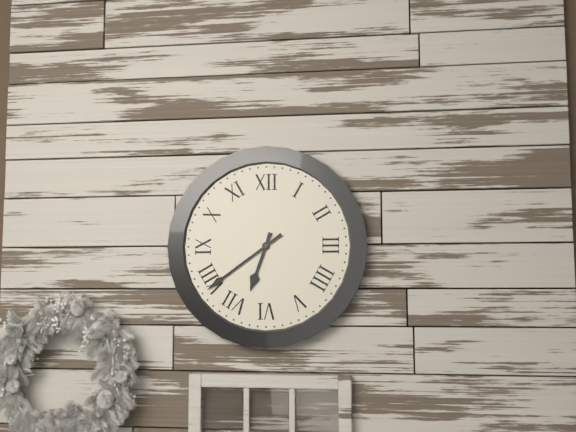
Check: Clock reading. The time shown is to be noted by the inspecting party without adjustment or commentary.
6:39
